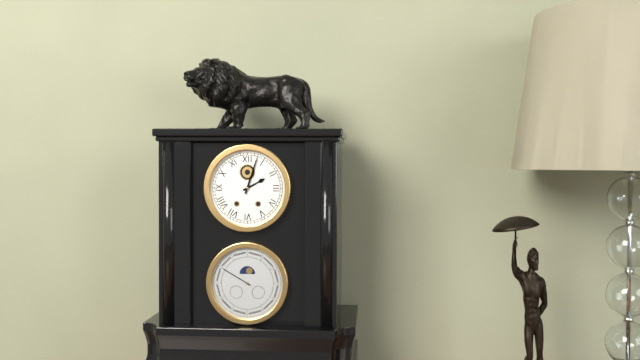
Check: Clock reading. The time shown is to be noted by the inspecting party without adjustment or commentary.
2:03
